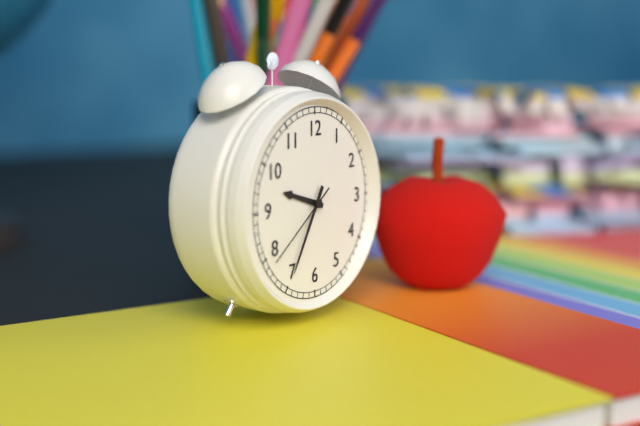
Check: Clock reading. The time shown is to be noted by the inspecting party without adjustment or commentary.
9:35:39
